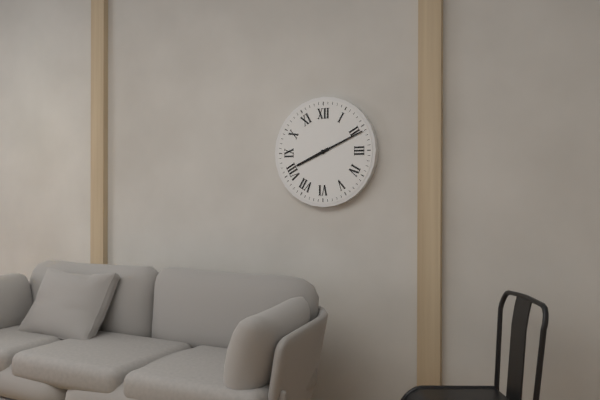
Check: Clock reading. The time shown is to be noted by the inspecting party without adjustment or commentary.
8:11
